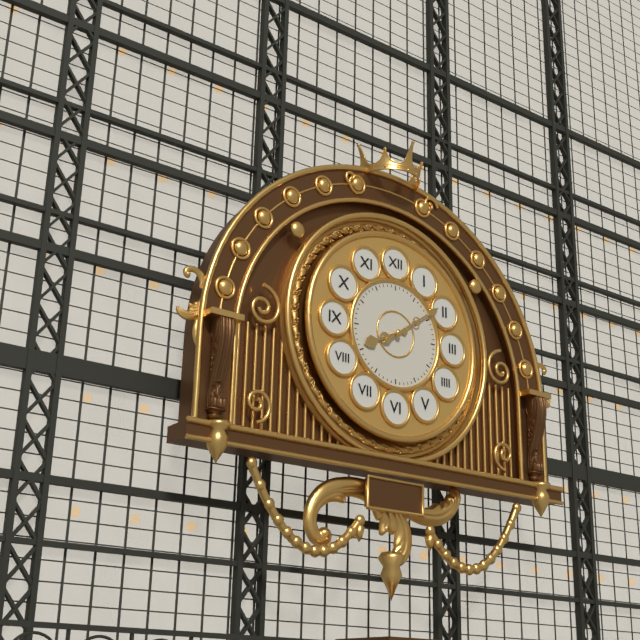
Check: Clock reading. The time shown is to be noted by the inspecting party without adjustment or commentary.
8:09
